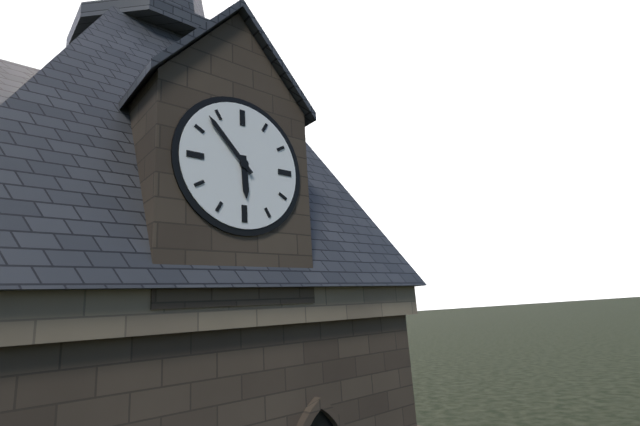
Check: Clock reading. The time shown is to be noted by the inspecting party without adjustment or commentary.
5:53
